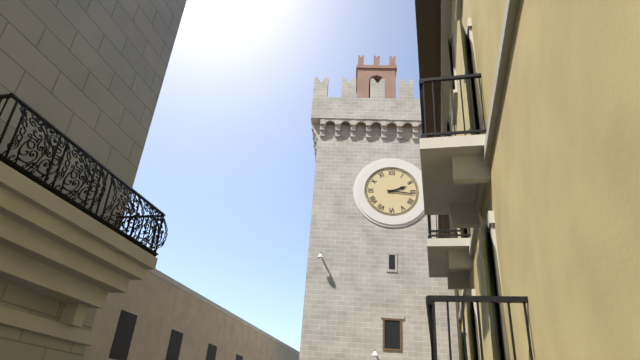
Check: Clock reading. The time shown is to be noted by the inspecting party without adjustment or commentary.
2:16
